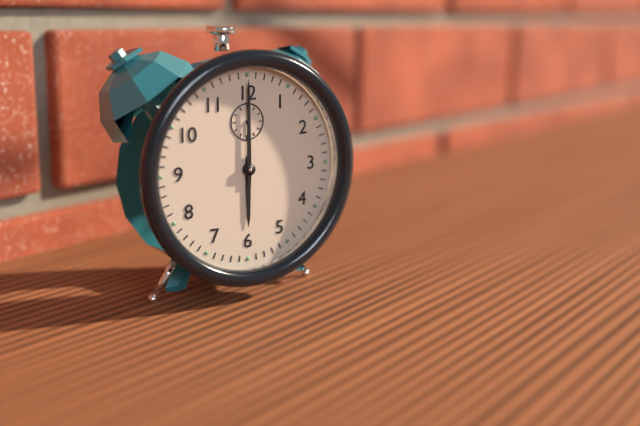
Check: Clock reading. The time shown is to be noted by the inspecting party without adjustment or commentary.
6:00
